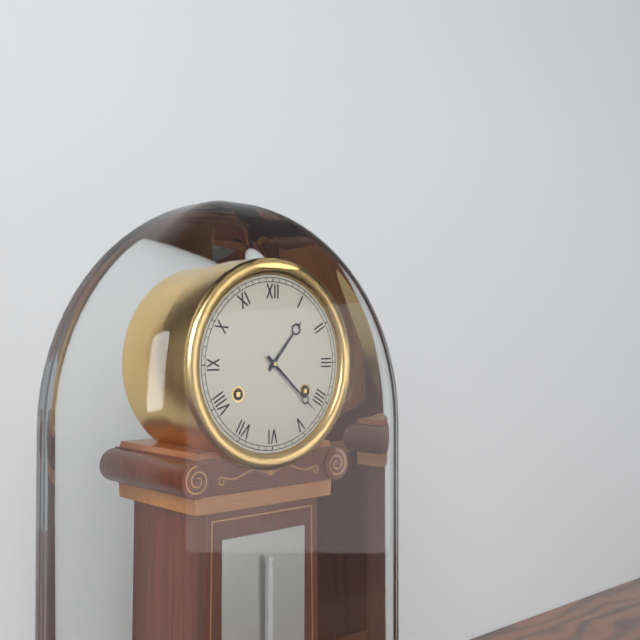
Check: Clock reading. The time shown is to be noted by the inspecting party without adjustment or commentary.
1:22
